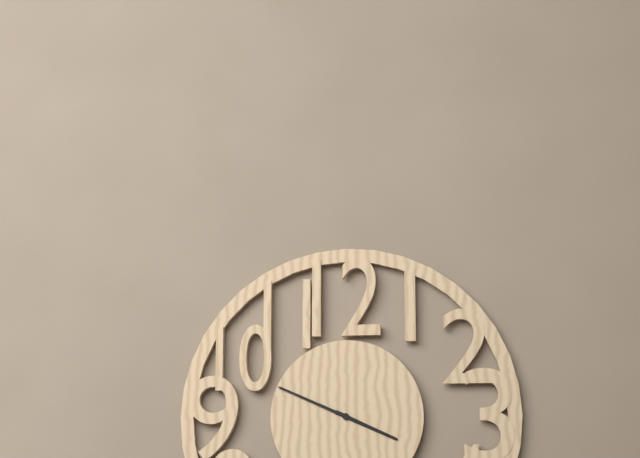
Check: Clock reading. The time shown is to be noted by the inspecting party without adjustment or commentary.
3:49
